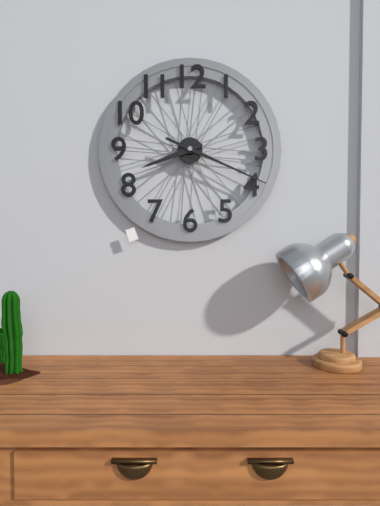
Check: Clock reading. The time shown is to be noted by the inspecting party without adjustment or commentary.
8:19
